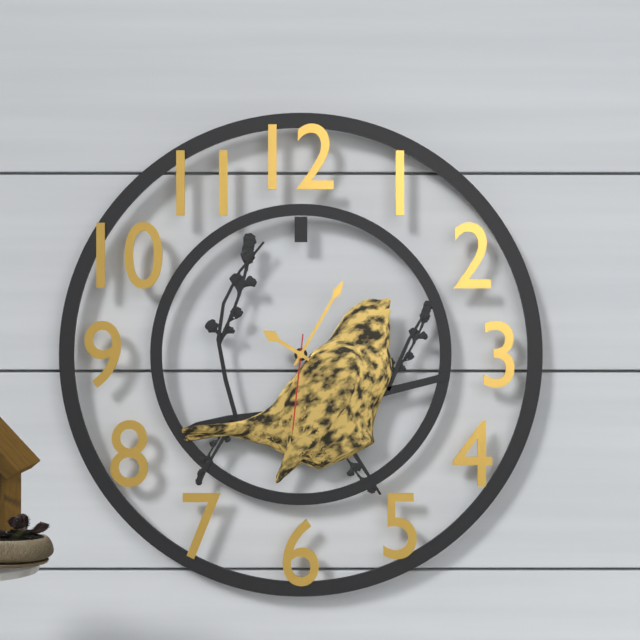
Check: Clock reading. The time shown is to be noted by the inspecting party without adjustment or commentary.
10:05:31
